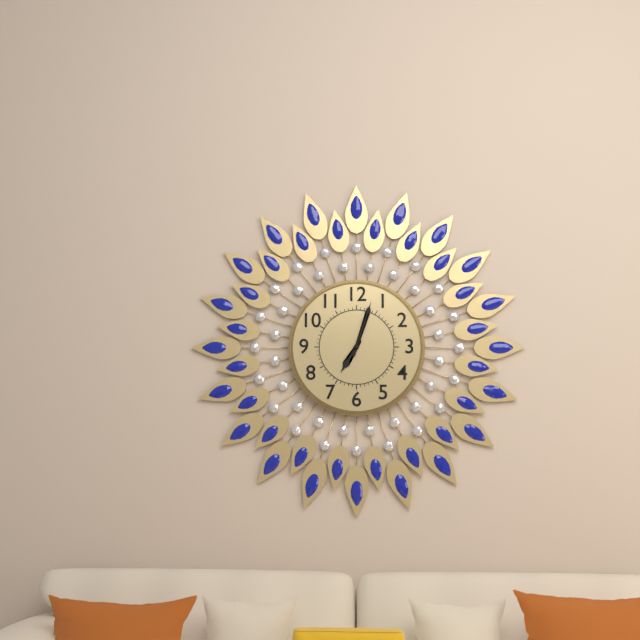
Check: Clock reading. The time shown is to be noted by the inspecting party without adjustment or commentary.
7:03
